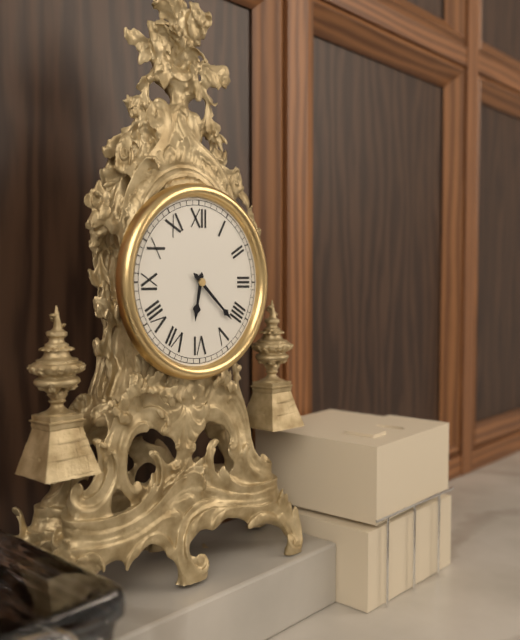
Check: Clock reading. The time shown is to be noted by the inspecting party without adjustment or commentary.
6:22
